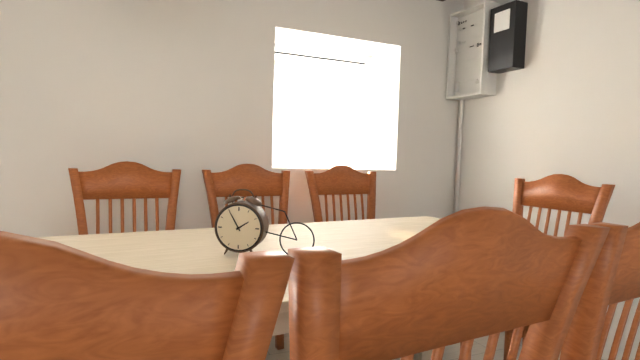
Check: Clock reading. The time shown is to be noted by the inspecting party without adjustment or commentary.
1:55
